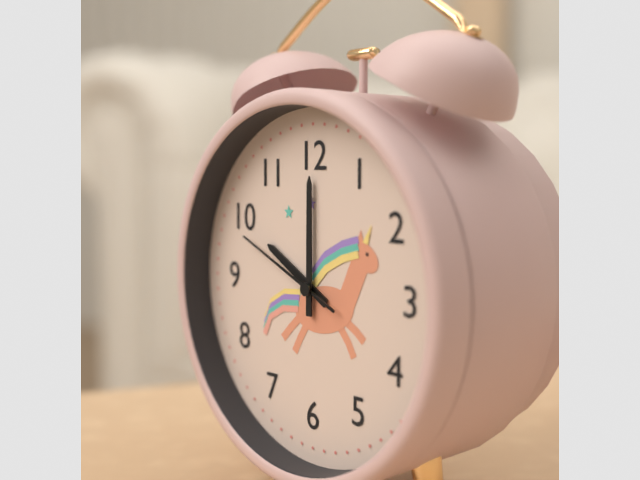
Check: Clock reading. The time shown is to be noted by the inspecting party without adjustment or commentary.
10:00:49
